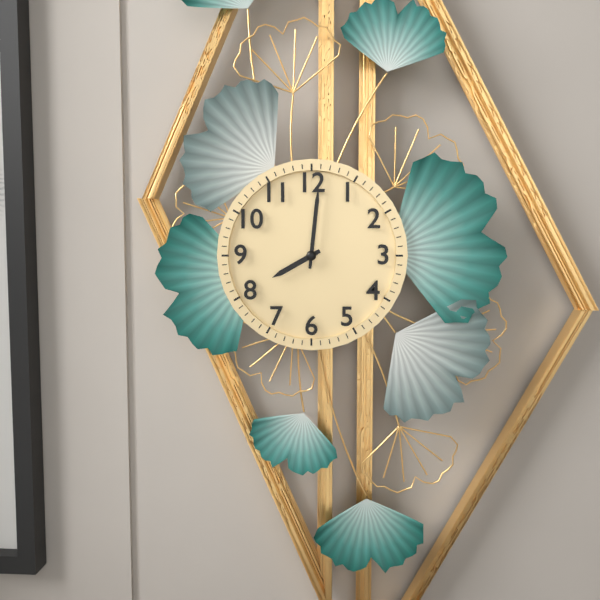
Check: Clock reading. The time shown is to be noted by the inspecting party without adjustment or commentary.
8:01
